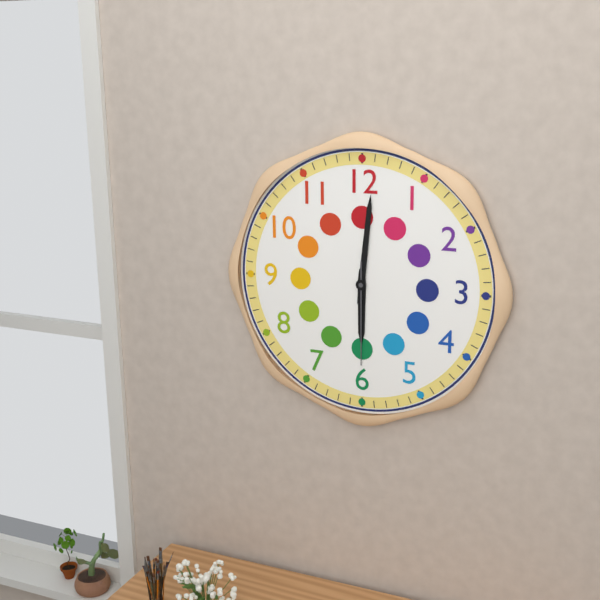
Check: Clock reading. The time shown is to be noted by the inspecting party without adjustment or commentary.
6:01:30
